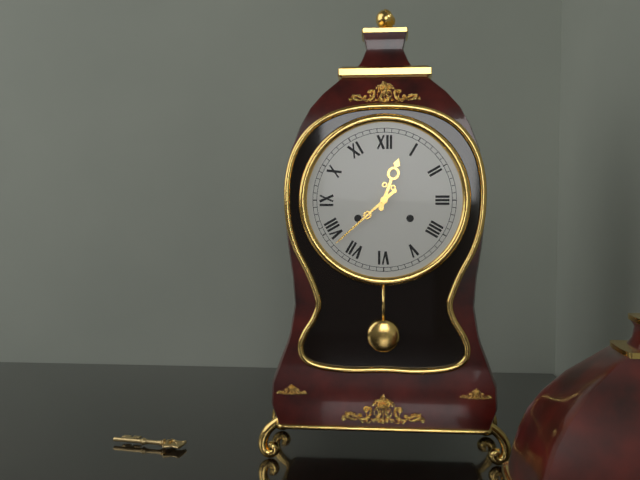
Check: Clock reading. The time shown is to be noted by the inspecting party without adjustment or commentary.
12:38
